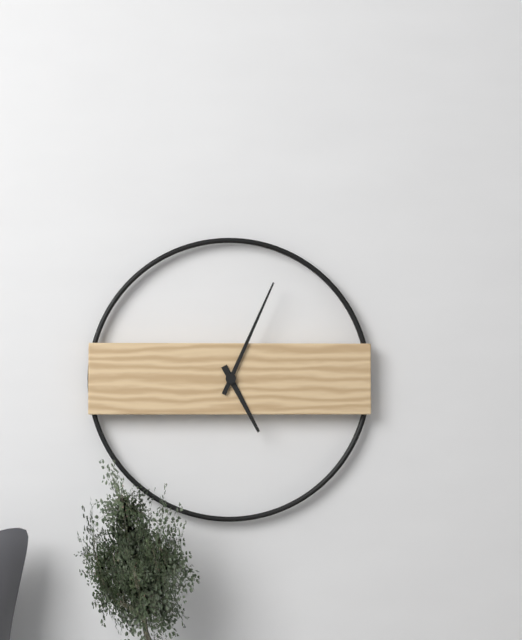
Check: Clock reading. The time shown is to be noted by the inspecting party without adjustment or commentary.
5:04
